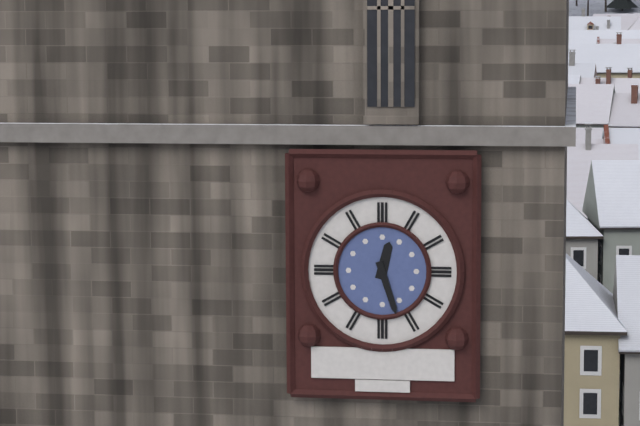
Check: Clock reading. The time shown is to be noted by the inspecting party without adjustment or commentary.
12:27
